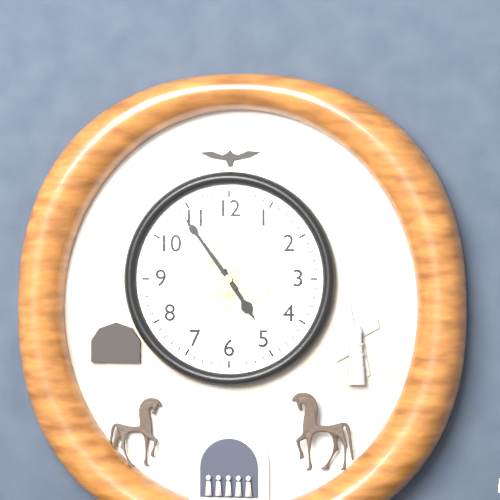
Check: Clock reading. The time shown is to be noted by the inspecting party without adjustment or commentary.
4:54
